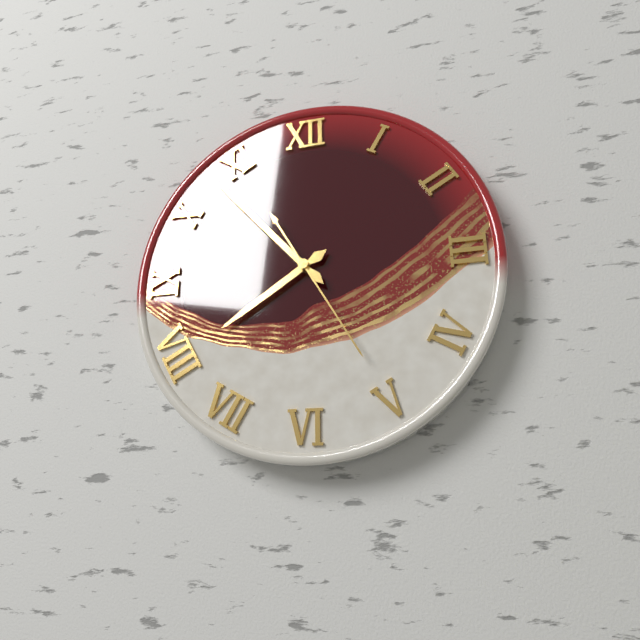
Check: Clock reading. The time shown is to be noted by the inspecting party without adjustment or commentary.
7:53:25
